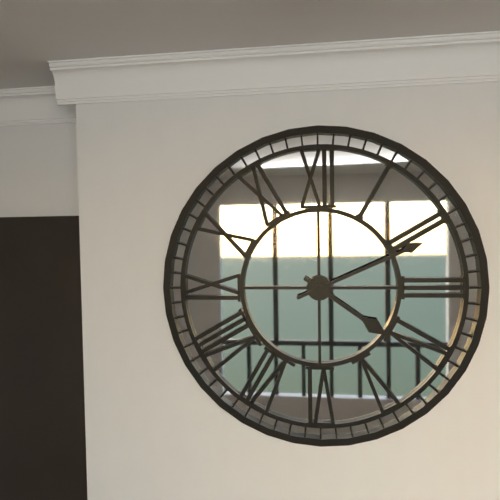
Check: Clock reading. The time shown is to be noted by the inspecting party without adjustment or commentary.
4:11
